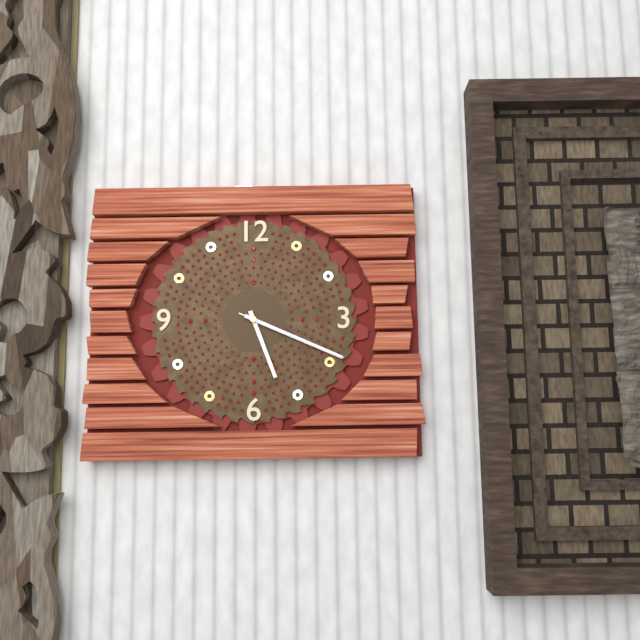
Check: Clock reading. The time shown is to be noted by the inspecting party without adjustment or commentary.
5:19:19
